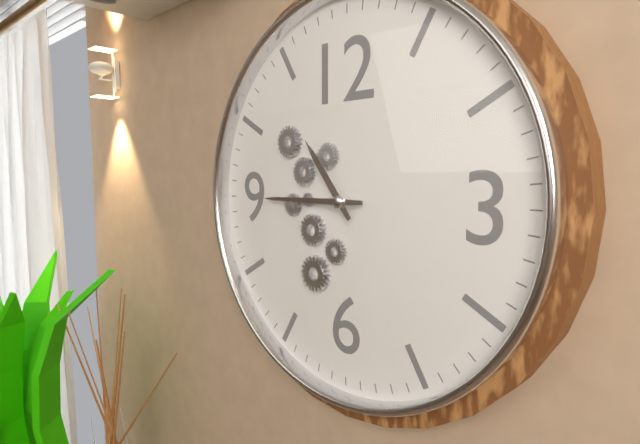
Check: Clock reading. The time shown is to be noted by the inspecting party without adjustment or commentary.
10:45
